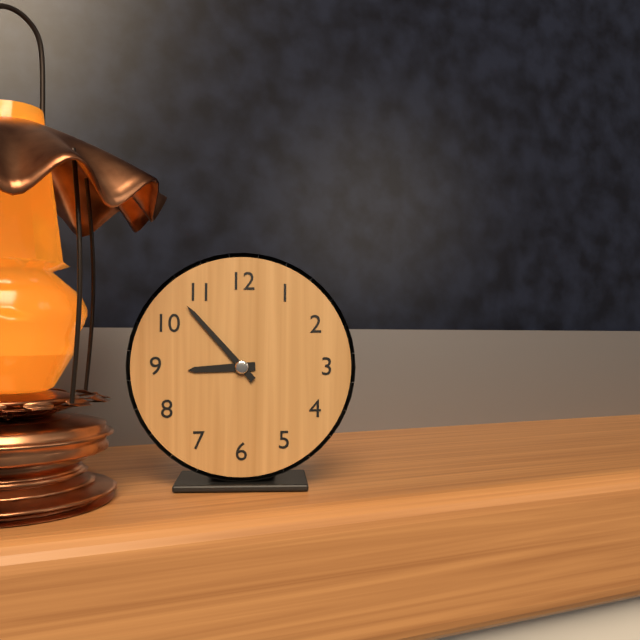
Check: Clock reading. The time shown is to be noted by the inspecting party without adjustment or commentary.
8:53
